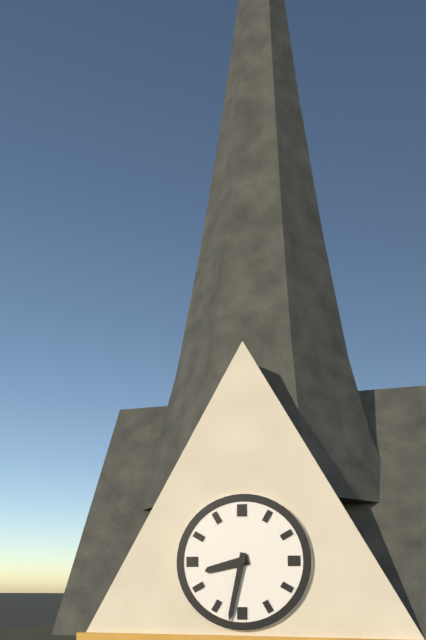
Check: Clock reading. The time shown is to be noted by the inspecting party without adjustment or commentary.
8:32
